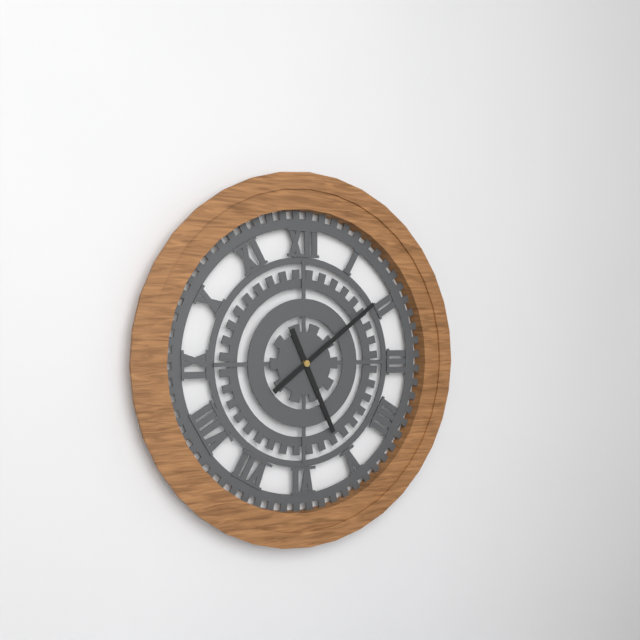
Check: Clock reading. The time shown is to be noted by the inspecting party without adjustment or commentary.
5:09
